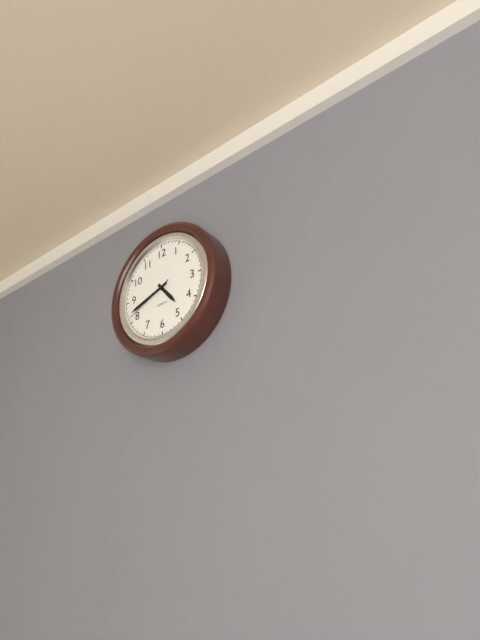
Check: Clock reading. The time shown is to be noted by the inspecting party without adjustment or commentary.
4:42:41
